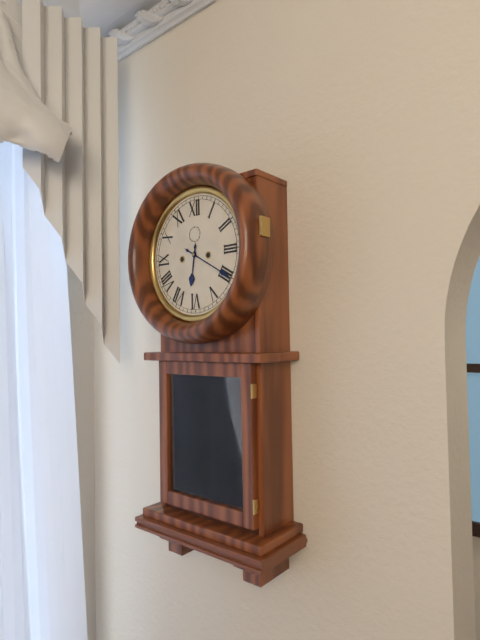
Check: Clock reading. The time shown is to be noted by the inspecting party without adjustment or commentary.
6:20
